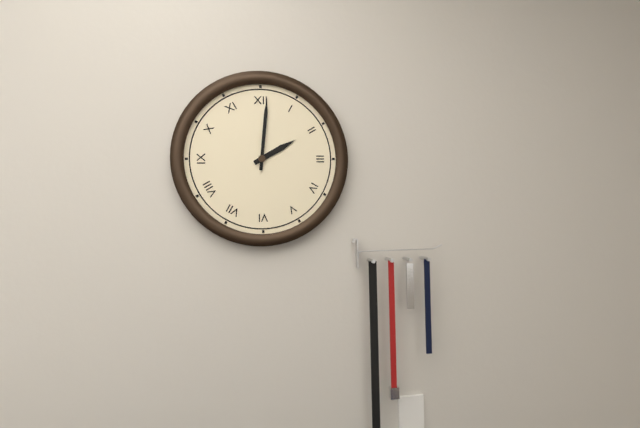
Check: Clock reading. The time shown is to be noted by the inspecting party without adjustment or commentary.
2:01
